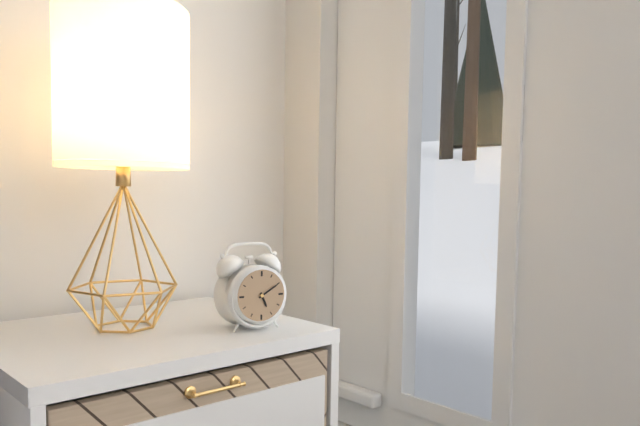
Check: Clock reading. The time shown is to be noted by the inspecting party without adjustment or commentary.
5:10
